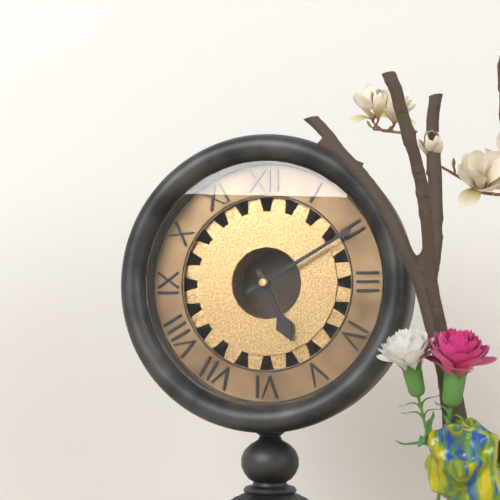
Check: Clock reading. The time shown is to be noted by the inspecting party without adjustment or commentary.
5:10
